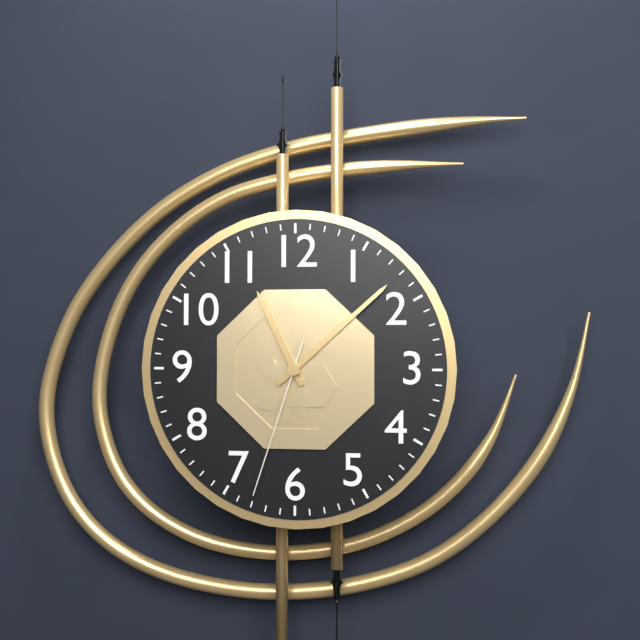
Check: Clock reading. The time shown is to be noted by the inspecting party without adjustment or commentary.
11:08:33
